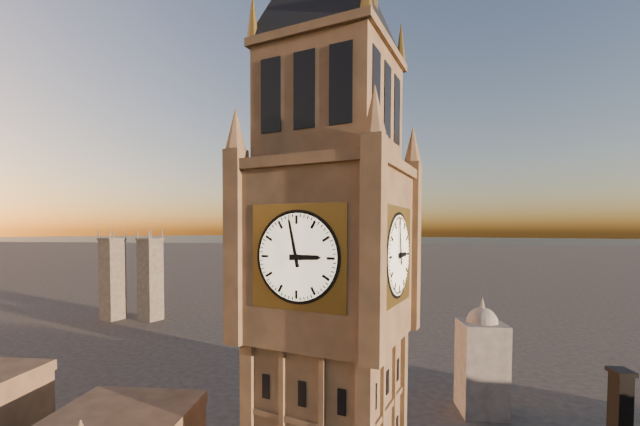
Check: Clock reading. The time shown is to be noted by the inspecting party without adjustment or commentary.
2:58
